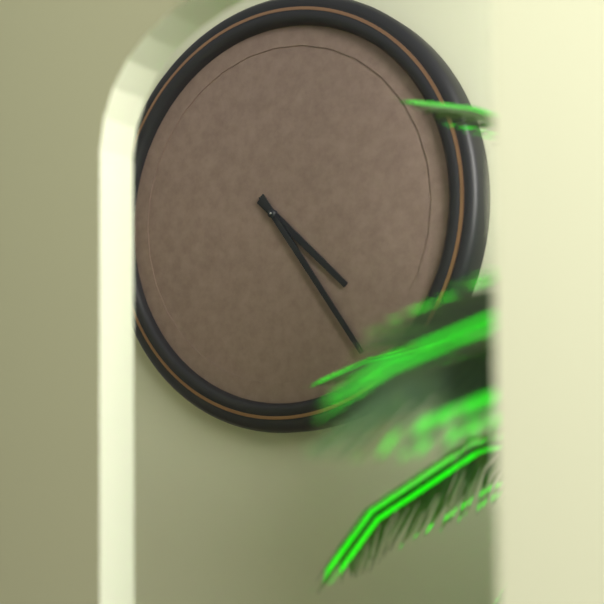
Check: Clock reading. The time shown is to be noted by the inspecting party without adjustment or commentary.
4:24
